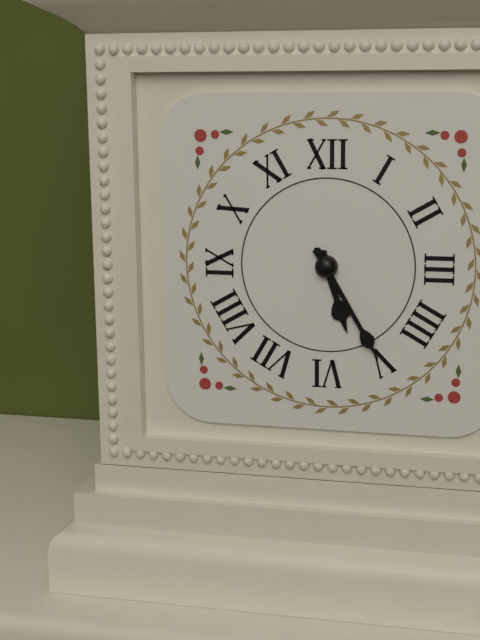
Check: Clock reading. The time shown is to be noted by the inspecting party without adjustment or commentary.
5:25
